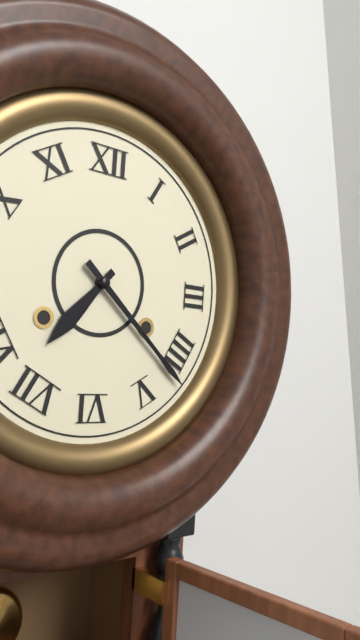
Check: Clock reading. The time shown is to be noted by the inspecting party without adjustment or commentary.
7:22
